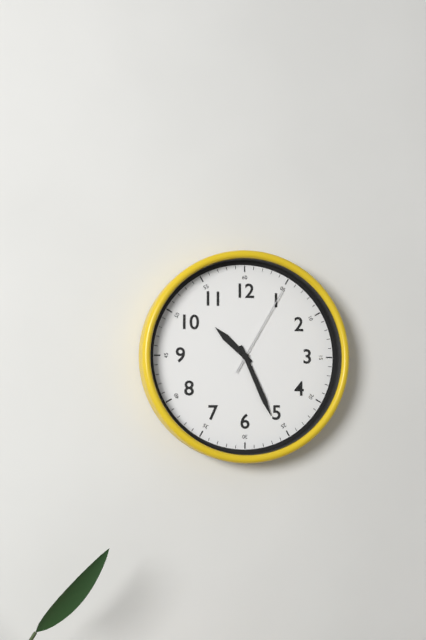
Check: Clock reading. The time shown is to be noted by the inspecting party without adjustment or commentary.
10:26:05
